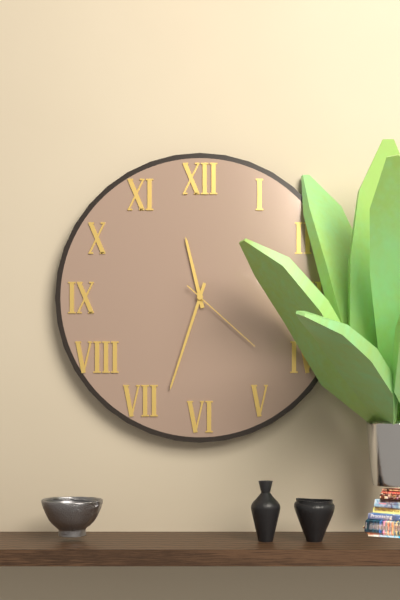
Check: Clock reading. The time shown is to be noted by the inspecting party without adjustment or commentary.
11:33:22
